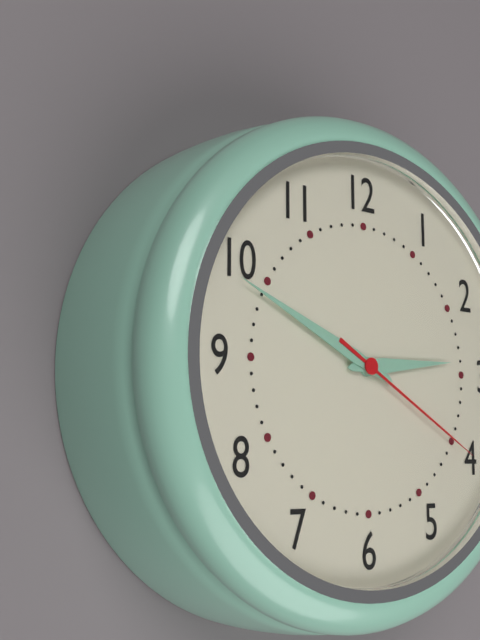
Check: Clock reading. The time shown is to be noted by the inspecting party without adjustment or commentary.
2:49:20
